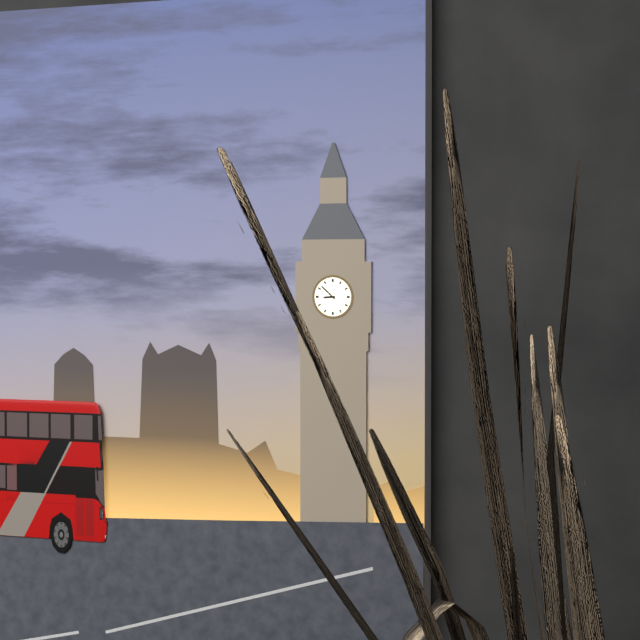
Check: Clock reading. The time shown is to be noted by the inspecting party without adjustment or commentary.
8:52
